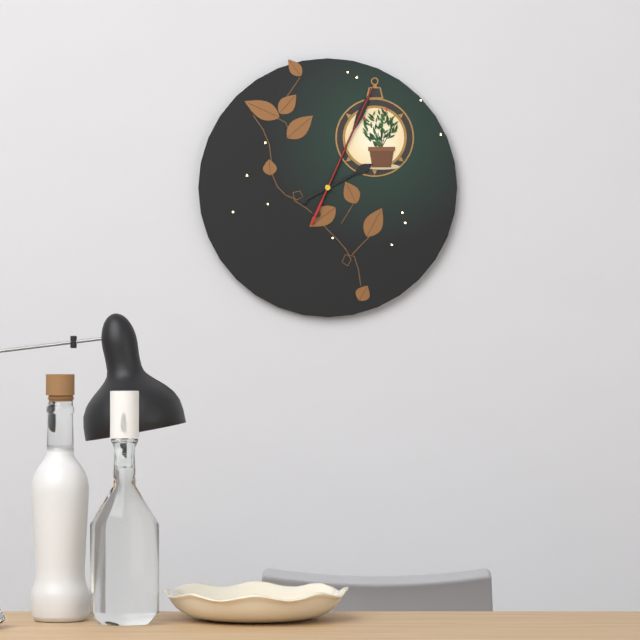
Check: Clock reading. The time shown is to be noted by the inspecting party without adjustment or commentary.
2:04:04
